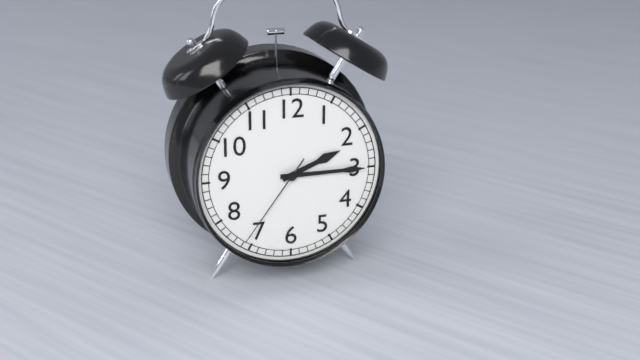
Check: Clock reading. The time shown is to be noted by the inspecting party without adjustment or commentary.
2:15:36
